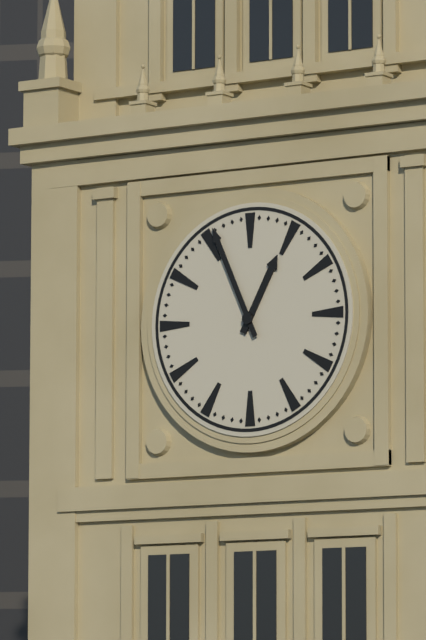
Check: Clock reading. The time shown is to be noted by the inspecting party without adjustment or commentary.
12:56
